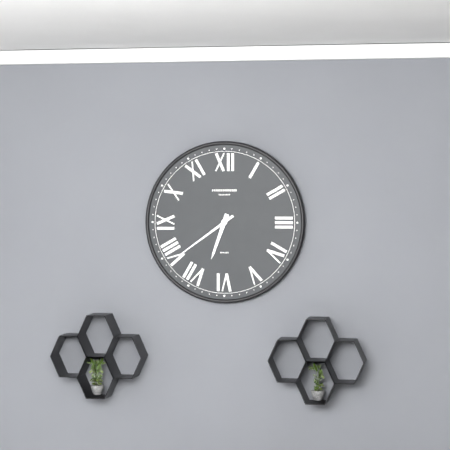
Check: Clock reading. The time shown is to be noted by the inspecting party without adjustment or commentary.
6:39
